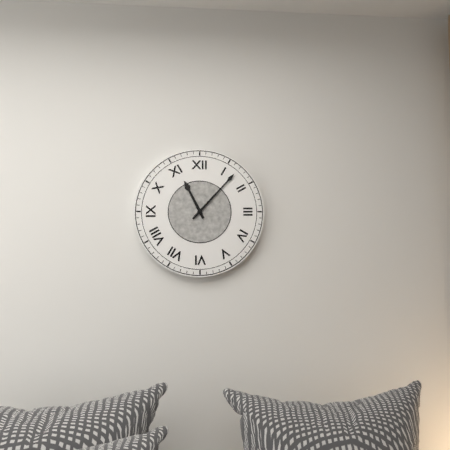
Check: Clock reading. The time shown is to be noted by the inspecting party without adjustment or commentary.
11:07
